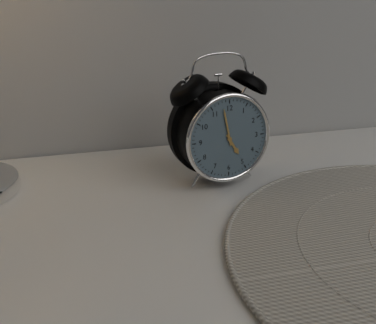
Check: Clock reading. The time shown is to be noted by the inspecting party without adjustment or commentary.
4:58
